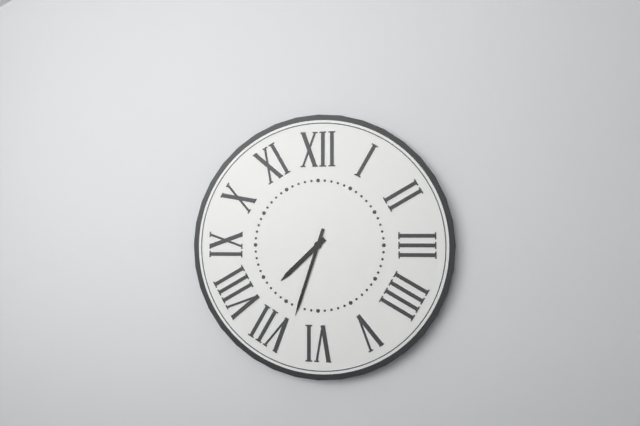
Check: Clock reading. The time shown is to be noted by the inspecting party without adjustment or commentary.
7:33
